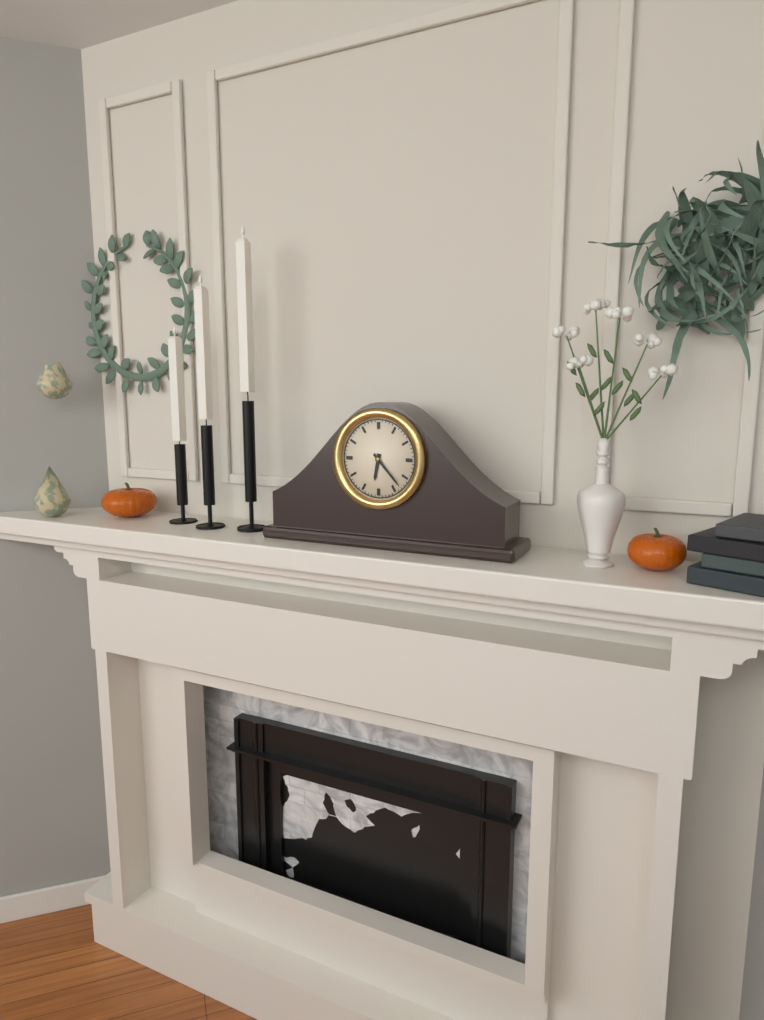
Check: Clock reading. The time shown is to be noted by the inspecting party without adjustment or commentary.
6:23
